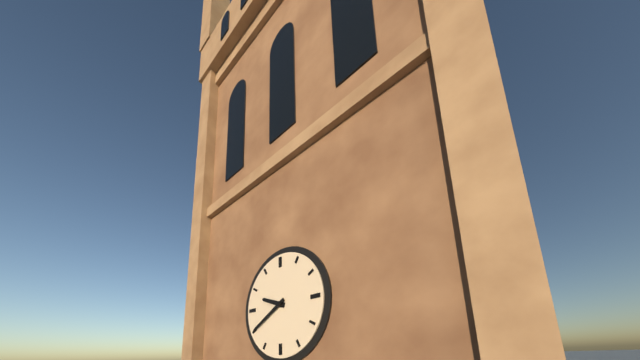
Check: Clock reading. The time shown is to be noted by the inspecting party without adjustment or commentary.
9:40
